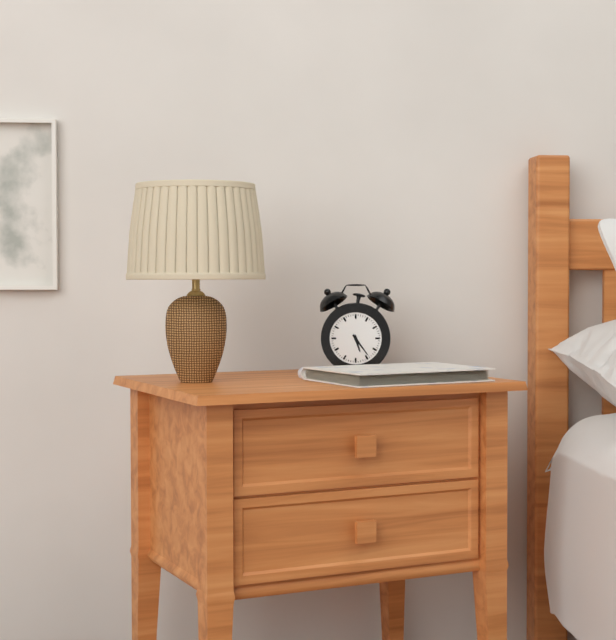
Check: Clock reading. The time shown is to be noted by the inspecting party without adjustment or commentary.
5:24
